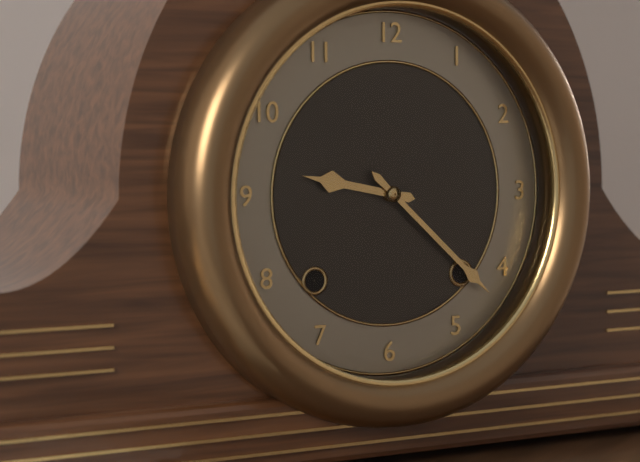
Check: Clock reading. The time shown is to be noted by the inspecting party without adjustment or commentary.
9:22
